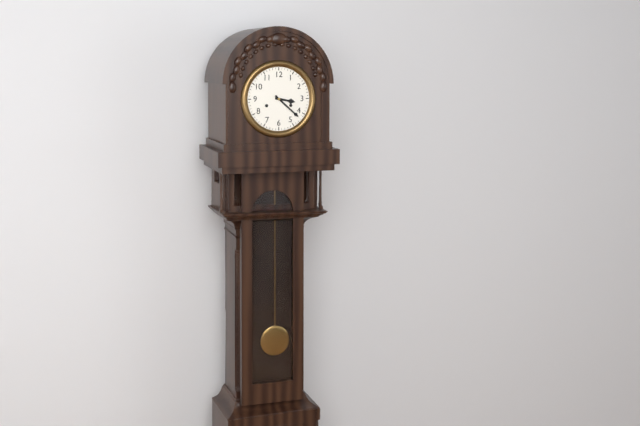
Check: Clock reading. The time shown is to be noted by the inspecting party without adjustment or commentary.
3:22
